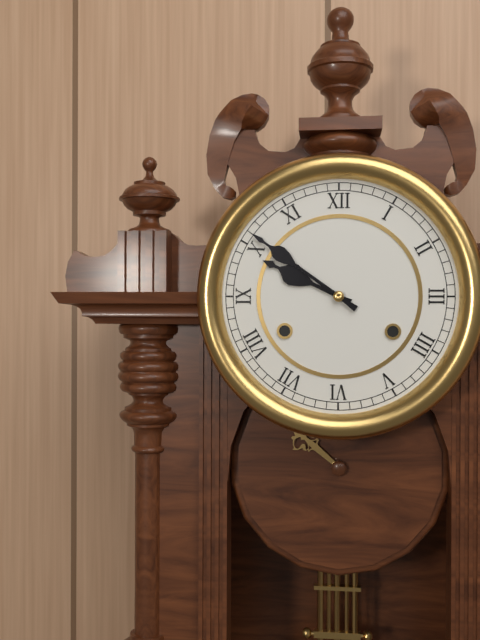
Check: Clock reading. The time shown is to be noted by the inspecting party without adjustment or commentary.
9:51
